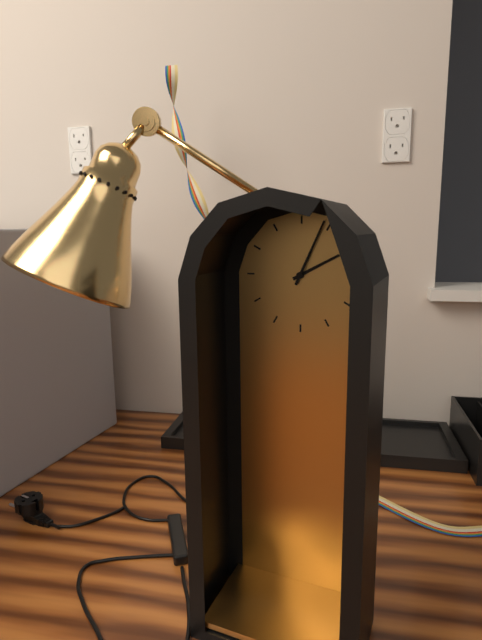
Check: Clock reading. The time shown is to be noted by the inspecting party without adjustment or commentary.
2:04
